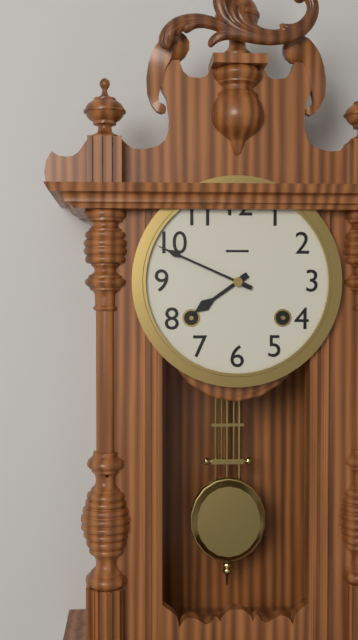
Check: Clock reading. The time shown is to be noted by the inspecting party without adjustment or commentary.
7:49
